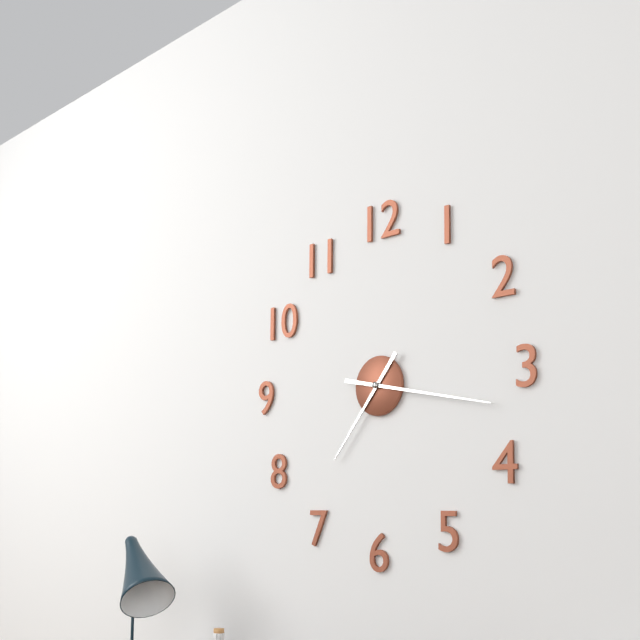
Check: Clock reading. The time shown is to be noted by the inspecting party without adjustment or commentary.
7:17
